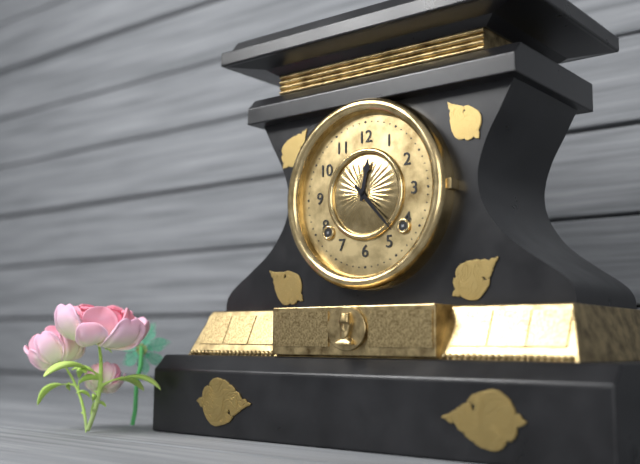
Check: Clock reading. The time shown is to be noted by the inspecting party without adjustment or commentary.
12:23
